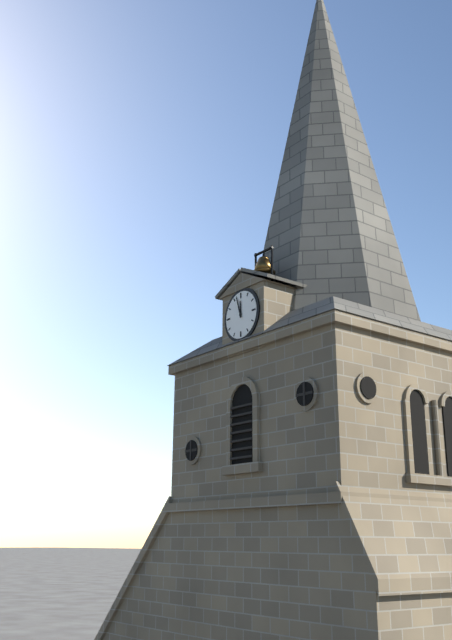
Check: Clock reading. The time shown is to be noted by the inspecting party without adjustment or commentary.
11:57
